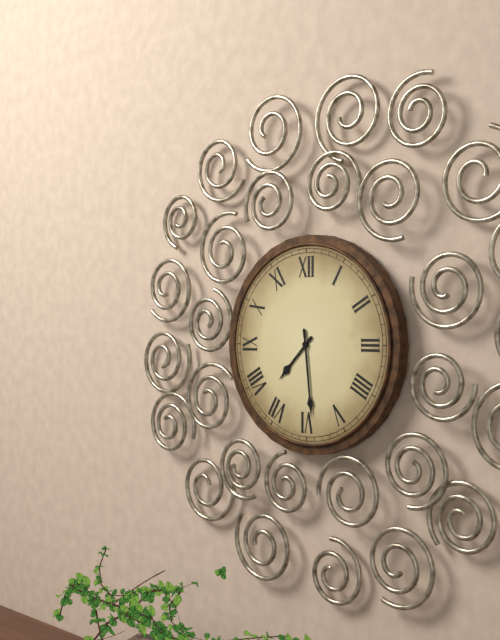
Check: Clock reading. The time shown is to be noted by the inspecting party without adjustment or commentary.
7:29
